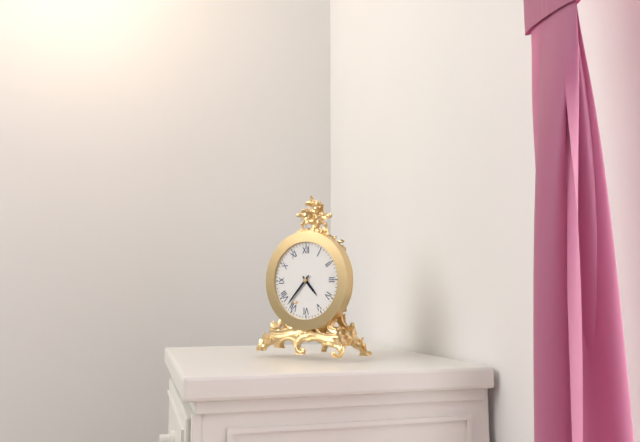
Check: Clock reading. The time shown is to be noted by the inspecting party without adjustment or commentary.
4:37
